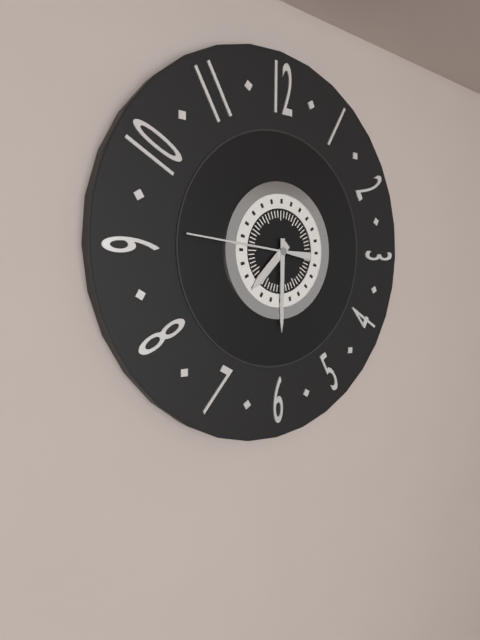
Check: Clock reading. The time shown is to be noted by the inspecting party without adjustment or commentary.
7:30:46
